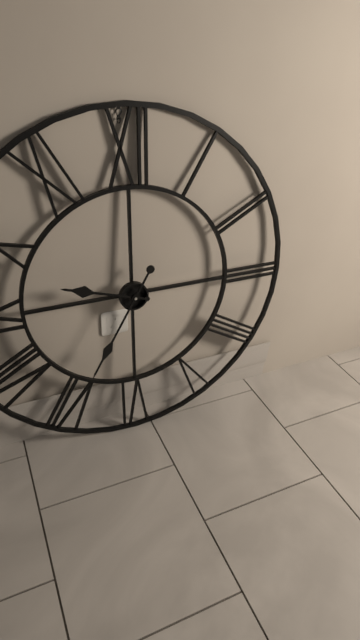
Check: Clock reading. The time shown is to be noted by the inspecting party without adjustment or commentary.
9:35
